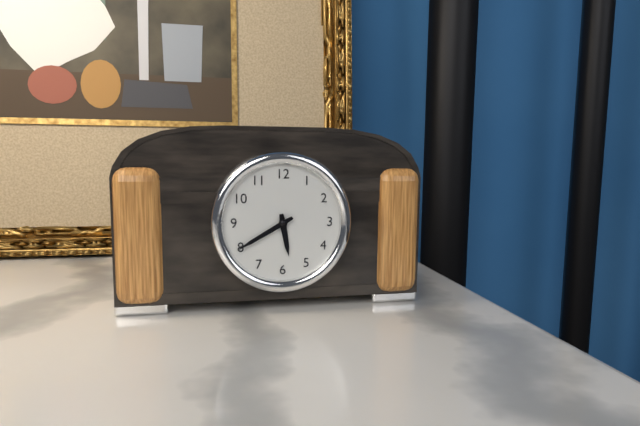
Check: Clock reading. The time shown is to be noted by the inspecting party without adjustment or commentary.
5:40
